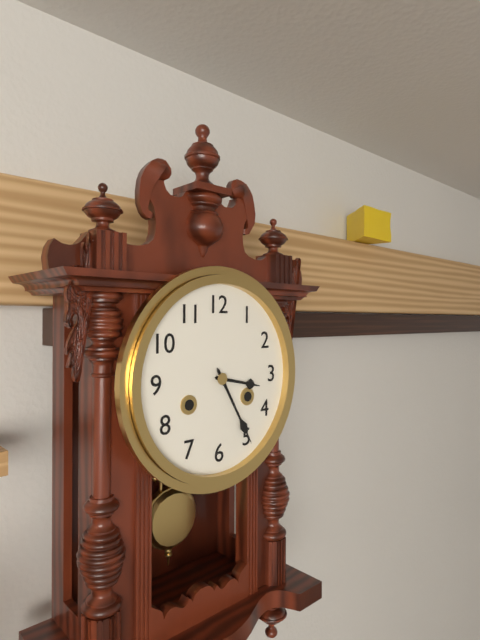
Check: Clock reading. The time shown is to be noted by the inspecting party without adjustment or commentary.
3:25
